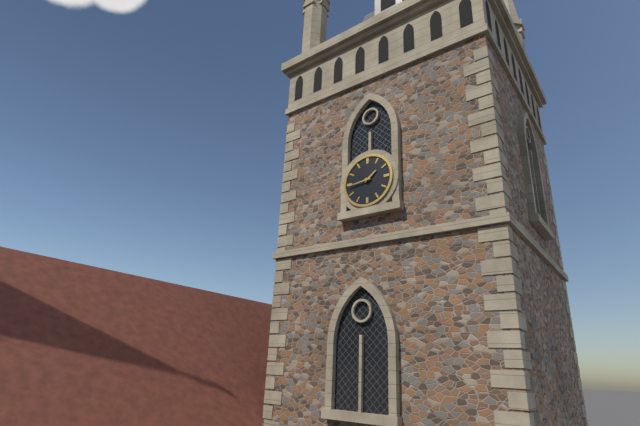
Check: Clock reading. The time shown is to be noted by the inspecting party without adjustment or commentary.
1:44
